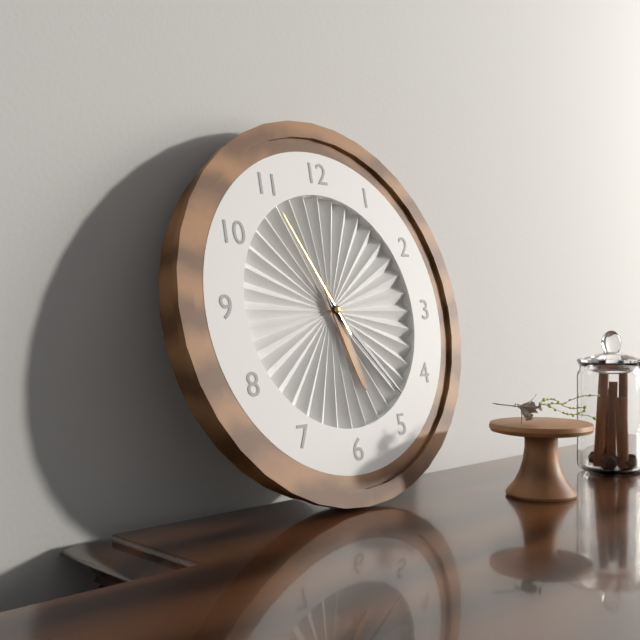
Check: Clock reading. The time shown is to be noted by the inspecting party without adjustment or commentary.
5:23:55
